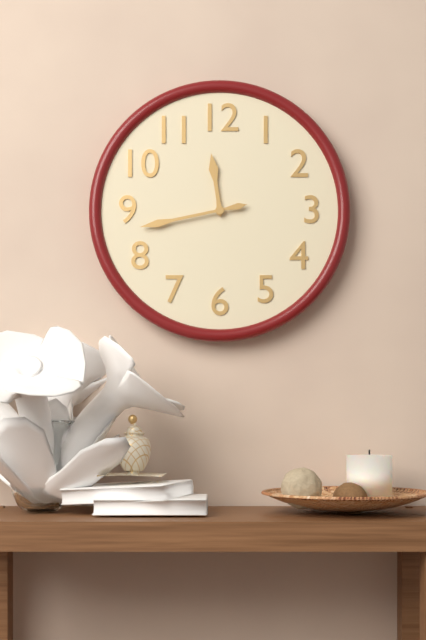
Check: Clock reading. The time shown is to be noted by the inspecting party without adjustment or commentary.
11:43
